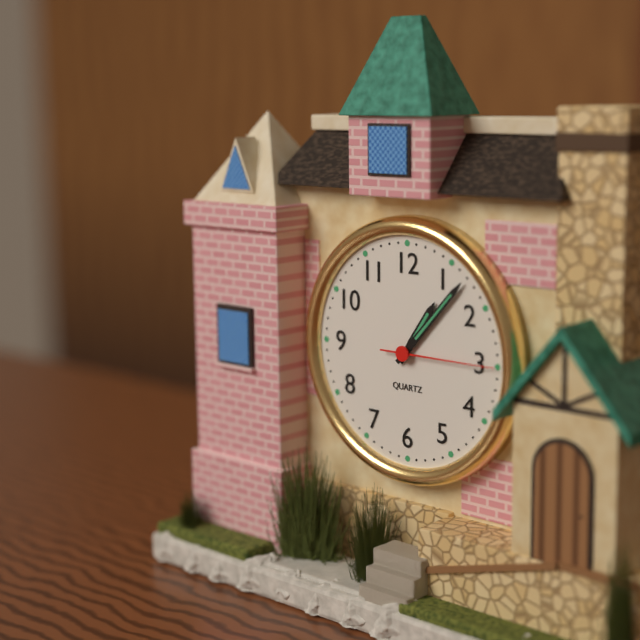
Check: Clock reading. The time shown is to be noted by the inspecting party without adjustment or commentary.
1:07:15
